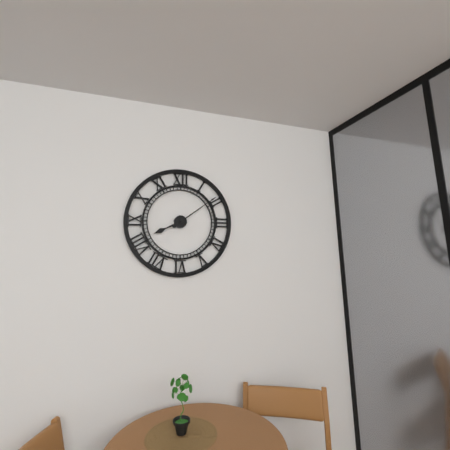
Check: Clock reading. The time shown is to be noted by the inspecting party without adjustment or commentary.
8:09
